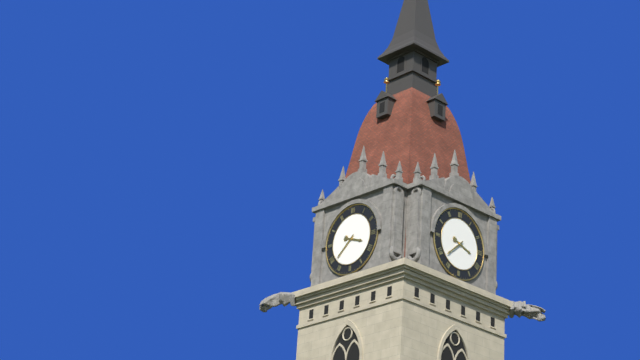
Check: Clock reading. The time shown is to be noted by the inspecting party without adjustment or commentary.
3:38
